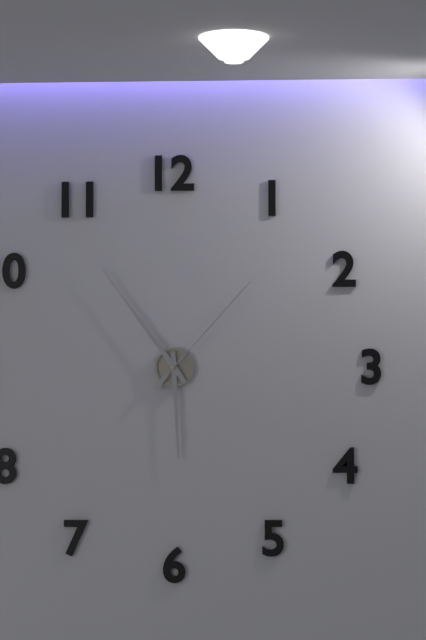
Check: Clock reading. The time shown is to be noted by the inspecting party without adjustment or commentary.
5:54:07
